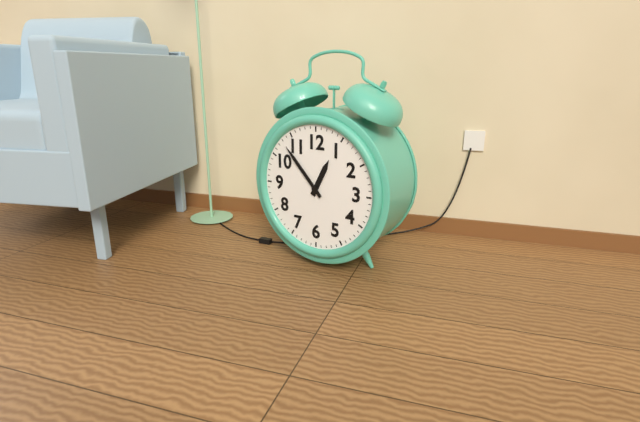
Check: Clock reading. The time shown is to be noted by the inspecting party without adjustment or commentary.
12:53
